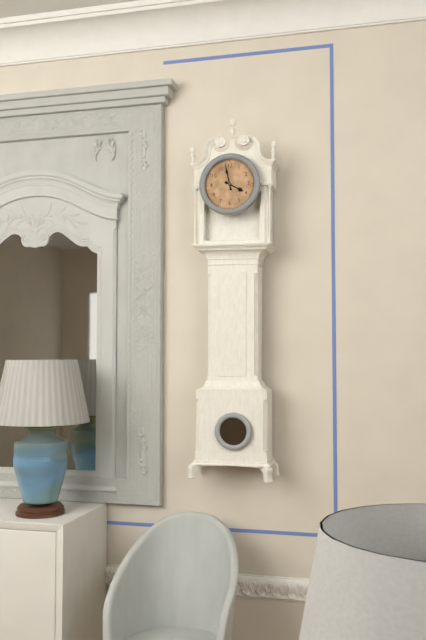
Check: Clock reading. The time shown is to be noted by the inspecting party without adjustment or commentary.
3:58
